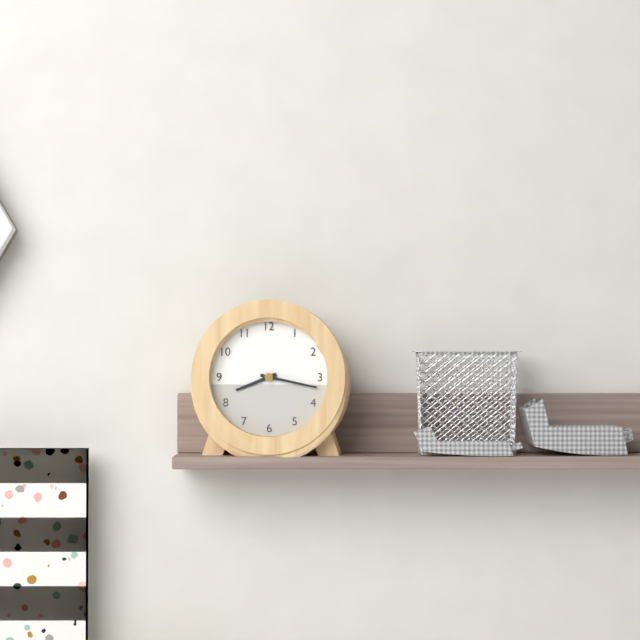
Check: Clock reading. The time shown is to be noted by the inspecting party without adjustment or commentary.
8:17
